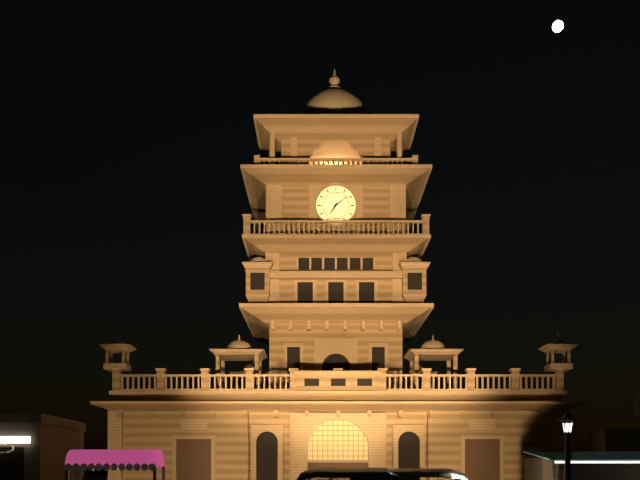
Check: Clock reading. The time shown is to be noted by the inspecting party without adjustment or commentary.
7:09
